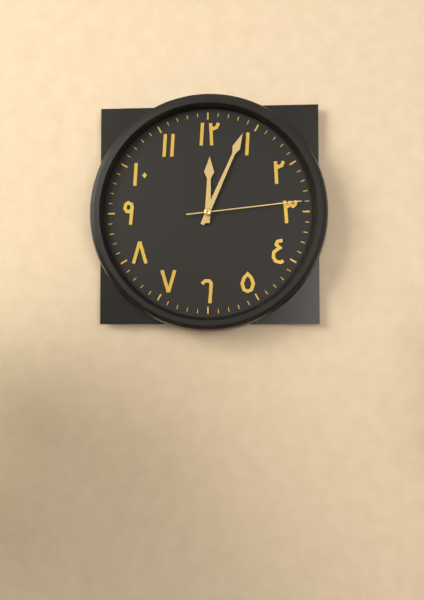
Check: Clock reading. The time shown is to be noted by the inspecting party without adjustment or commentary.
12:04:14
